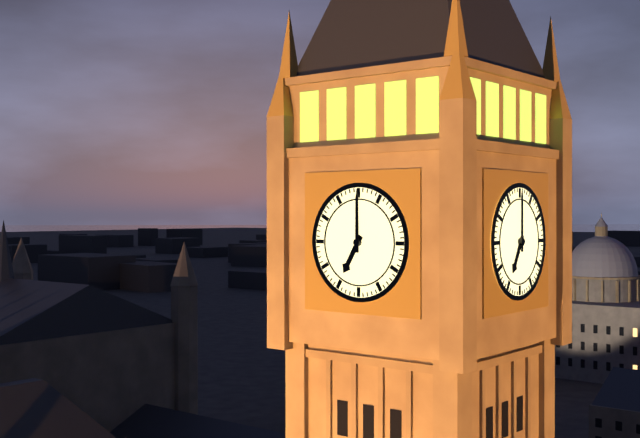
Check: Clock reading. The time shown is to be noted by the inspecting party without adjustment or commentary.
7:00
